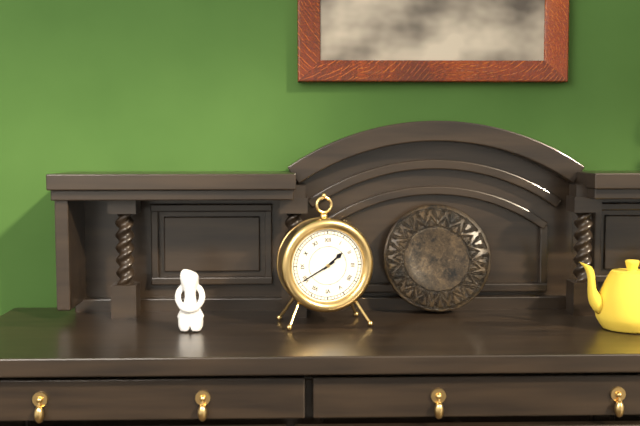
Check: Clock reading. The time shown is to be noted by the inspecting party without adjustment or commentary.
1:40
